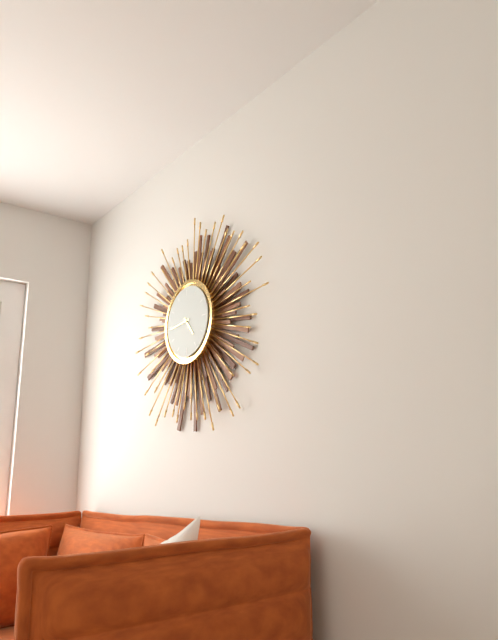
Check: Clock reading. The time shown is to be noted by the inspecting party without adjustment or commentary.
4:44
